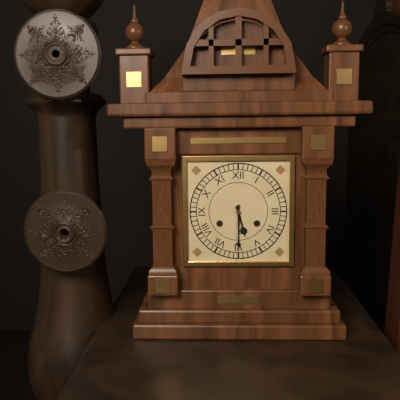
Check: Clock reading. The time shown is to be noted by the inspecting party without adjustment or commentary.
5:30
